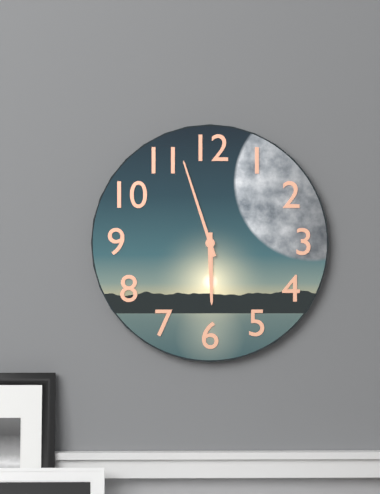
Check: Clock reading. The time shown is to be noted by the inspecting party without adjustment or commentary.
5:57
